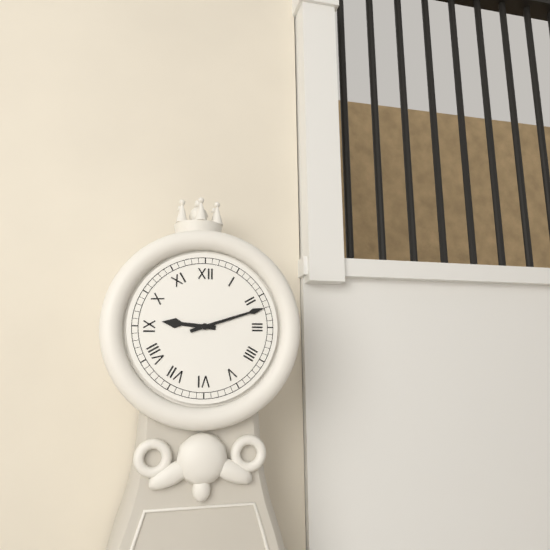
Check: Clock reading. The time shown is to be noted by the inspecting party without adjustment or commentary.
9:12
